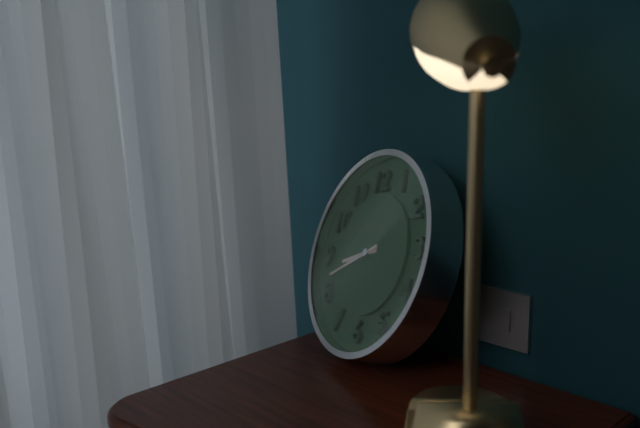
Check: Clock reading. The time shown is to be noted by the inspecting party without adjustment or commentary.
8:42
